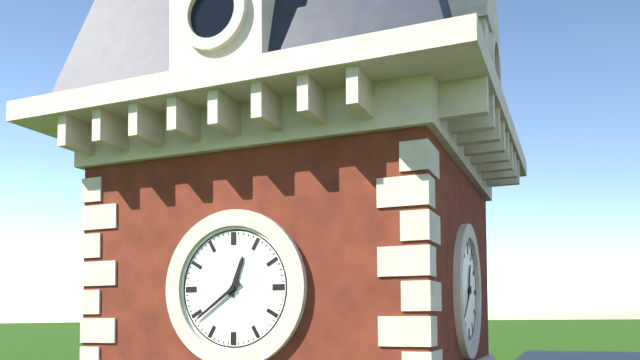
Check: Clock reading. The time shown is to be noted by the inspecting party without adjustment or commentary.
12:39
